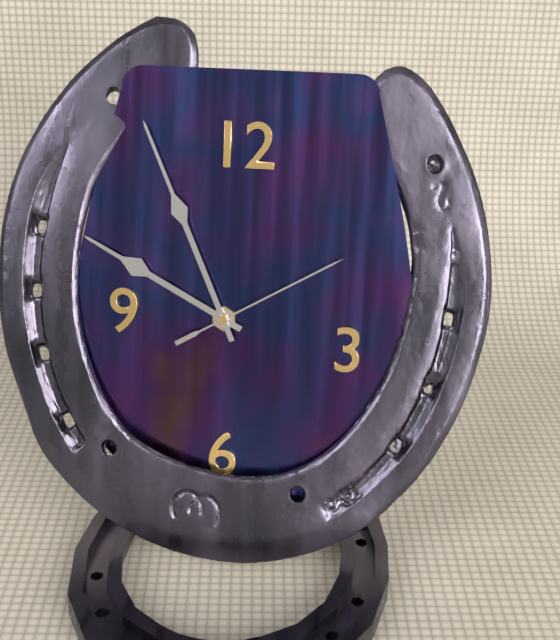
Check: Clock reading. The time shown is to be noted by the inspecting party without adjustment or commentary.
9:56:10
